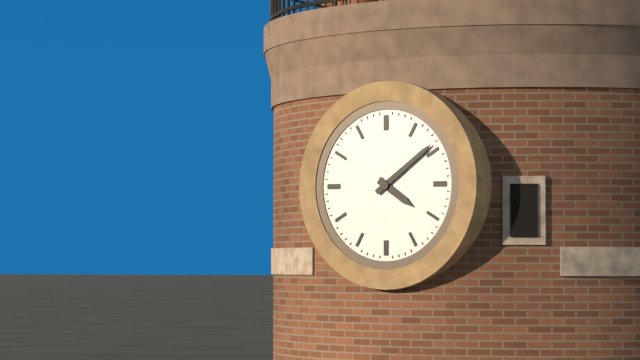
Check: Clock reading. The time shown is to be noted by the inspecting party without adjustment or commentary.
4:09
